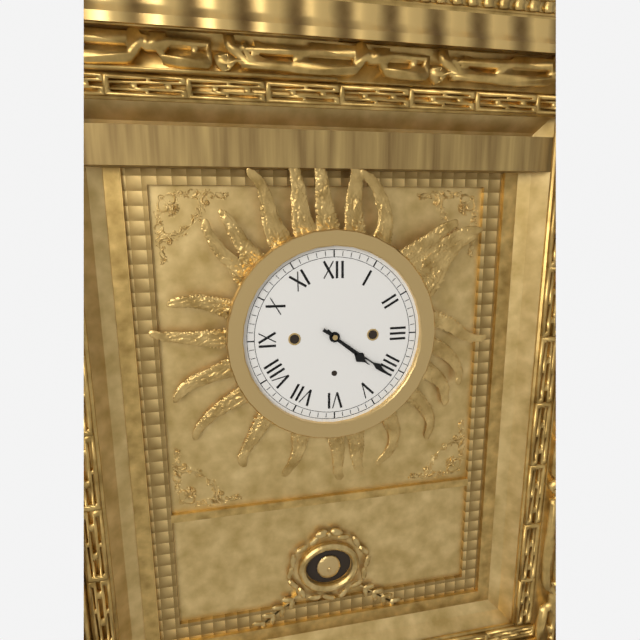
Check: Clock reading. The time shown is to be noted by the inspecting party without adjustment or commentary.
4:21
